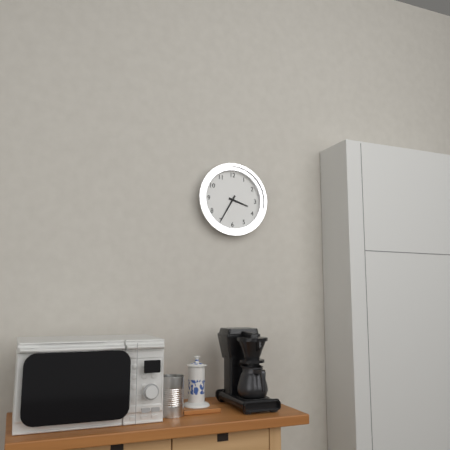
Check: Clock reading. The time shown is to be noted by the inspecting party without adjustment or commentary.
3:35
